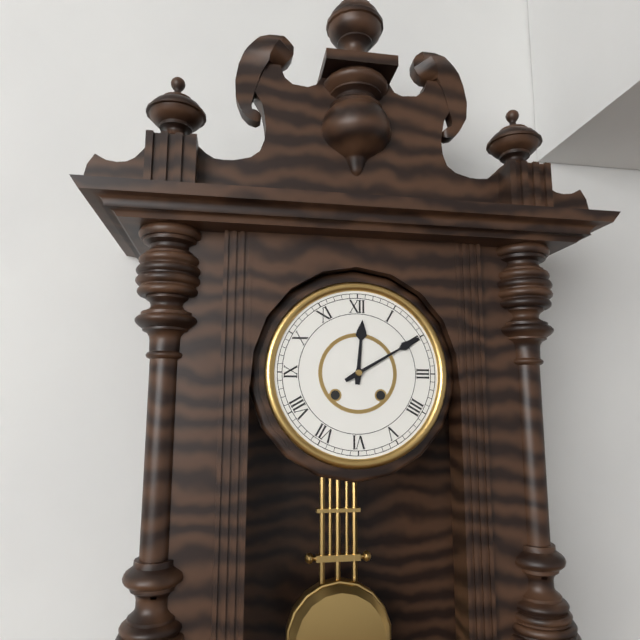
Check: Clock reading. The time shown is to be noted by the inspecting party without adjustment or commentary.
12:10
